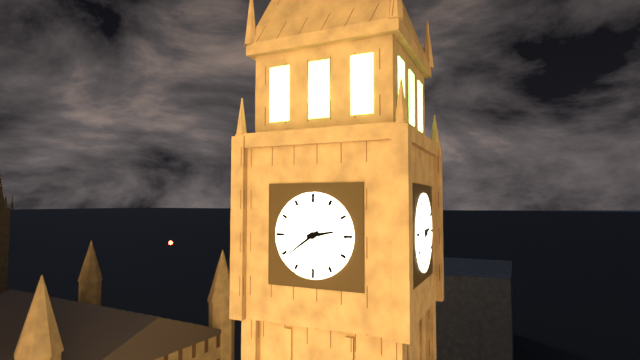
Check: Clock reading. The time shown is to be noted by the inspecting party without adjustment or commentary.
2:39
